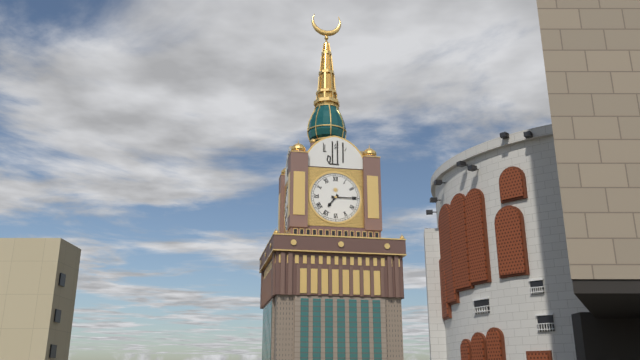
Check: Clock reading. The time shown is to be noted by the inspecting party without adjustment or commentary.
7:15
